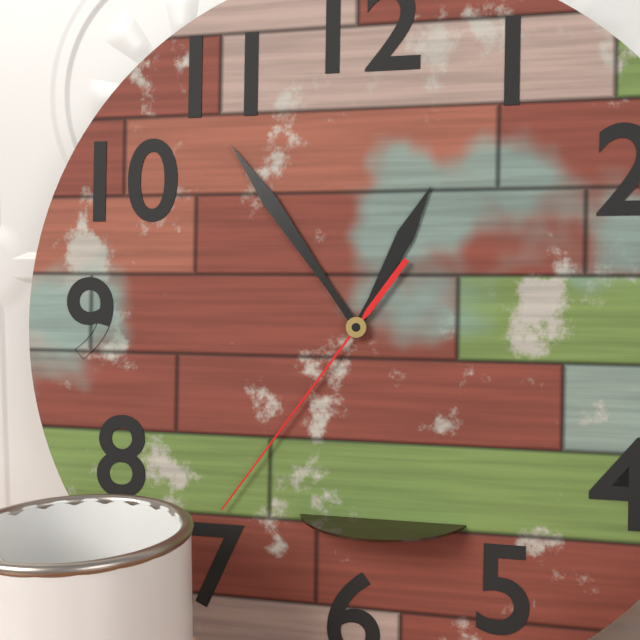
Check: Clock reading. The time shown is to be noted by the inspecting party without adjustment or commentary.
12:54:36
